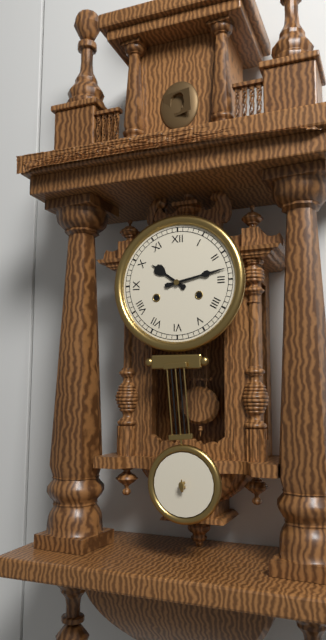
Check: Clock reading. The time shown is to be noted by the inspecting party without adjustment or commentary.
10:13
